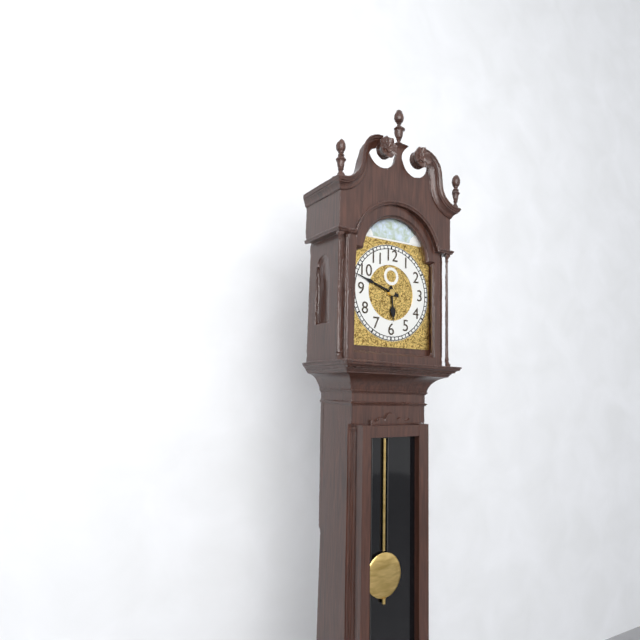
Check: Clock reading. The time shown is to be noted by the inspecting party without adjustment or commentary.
5:48
